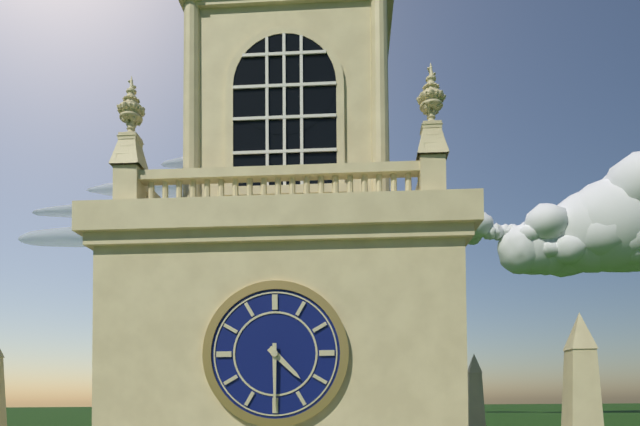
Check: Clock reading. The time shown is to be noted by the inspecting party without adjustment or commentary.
4:30
